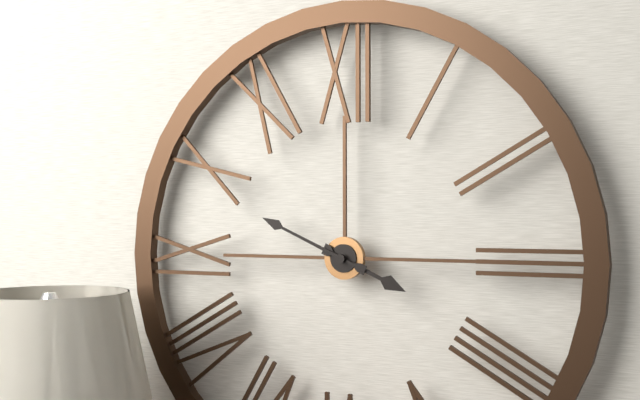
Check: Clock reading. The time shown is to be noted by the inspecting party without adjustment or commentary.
3:49
